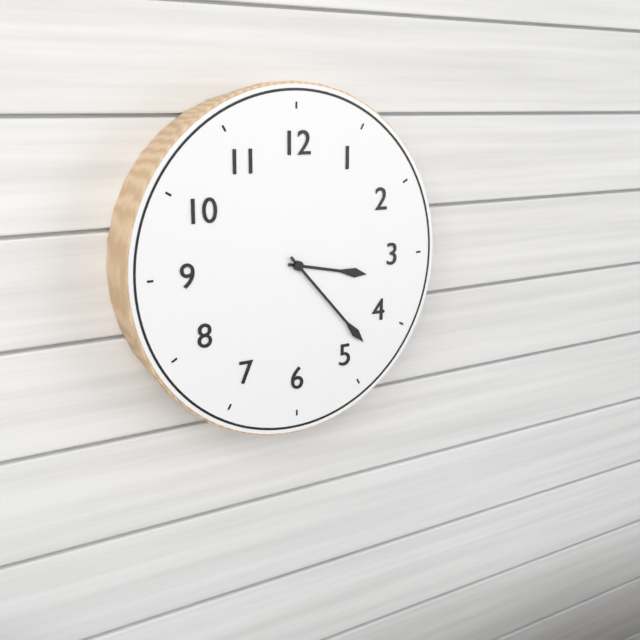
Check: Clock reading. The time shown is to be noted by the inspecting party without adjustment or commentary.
3:23
